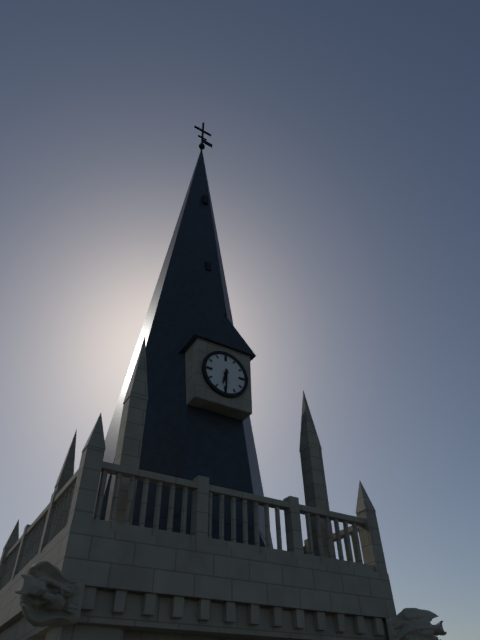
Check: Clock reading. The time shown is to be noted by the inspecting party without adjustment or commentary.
6:30
